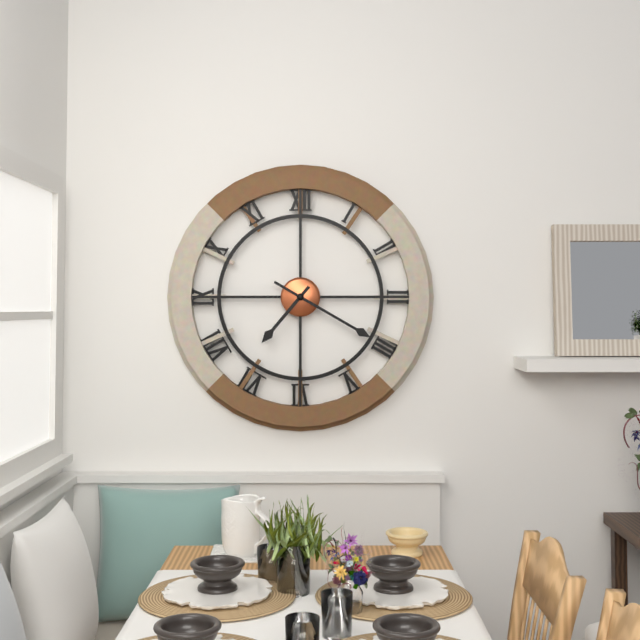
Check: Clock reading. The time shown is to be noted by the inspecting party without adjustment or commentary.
7:20
